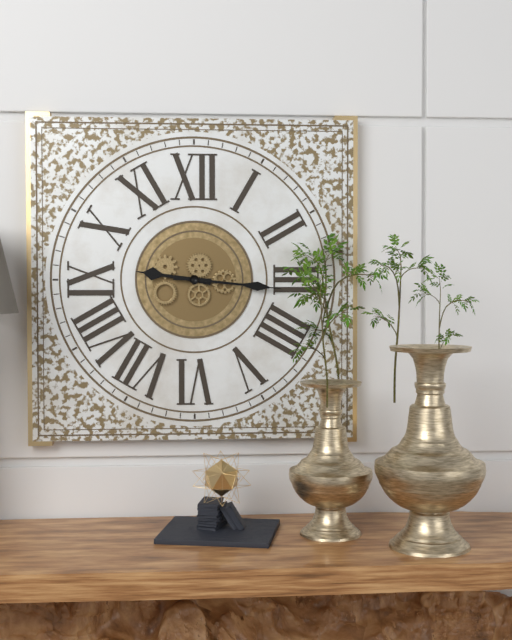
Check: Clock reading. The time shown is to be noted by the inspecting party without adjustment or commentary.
9:16
